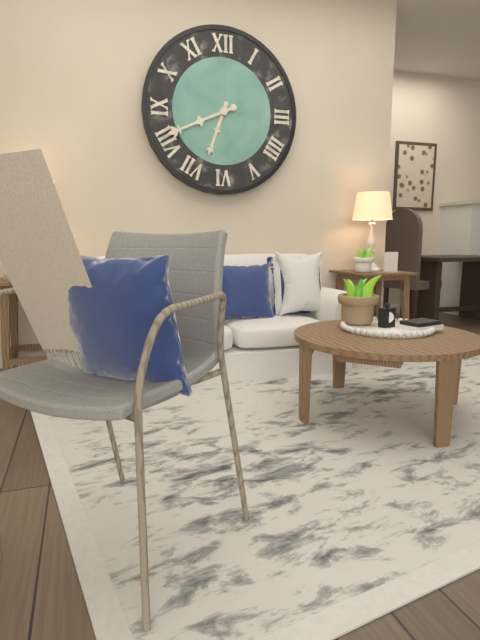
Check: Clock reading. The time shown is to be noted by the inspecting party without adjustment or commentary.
6:41
